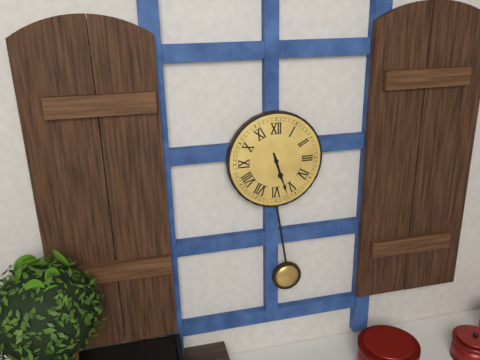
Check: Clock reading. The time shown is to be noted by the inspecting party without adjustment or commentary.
5:27
